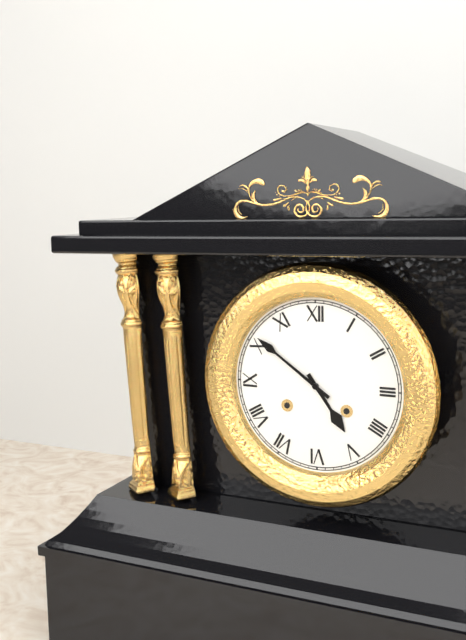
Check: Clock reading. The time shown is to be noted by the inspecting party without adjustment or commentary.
4:51
